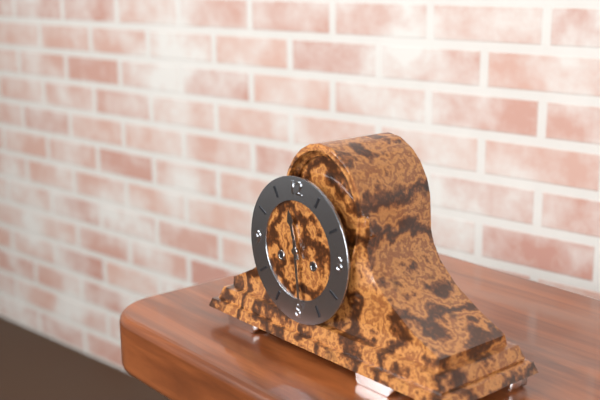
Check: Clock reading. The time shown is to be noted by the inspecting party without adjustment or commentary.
11:29
